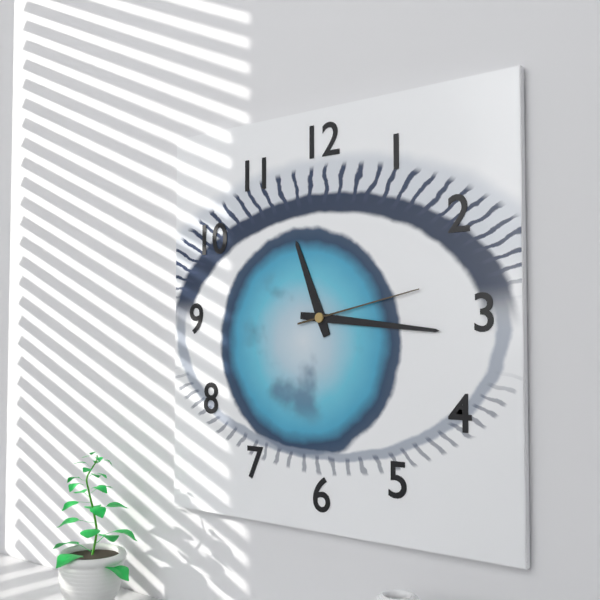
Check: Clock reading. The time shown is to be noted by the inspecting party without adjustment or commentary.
11:16:13
